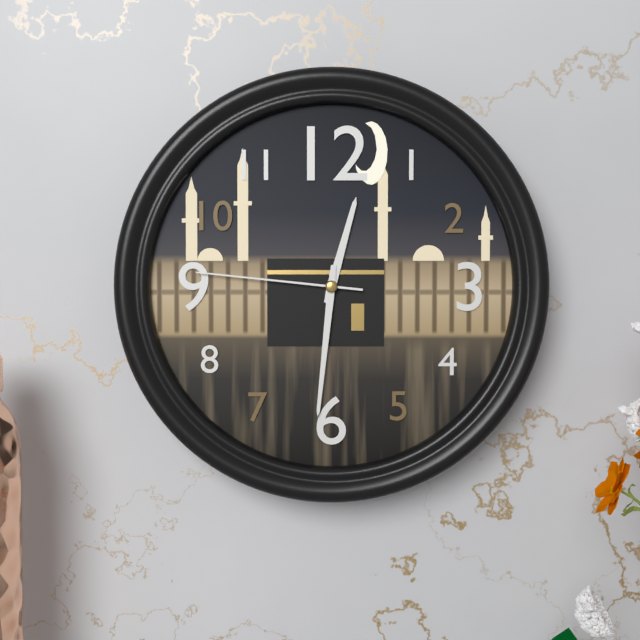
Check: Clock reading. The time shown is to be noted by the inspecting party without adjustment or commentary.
12:31:46
